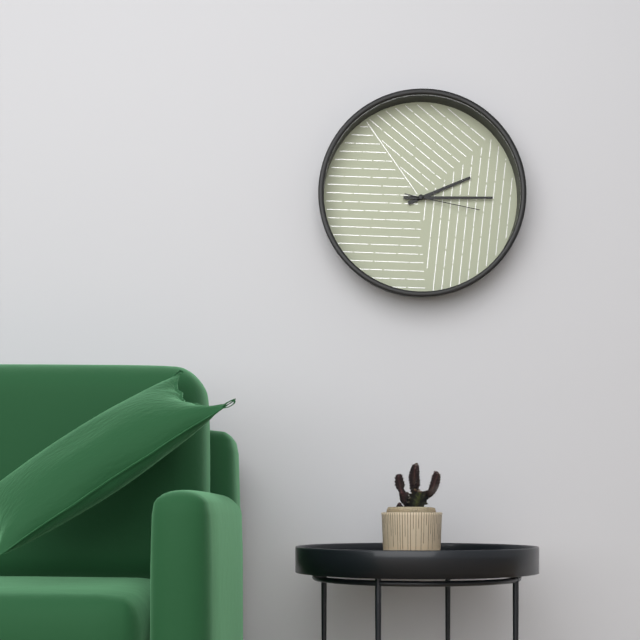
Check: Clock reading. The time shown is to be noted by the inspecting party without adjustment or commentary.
2:15:17
